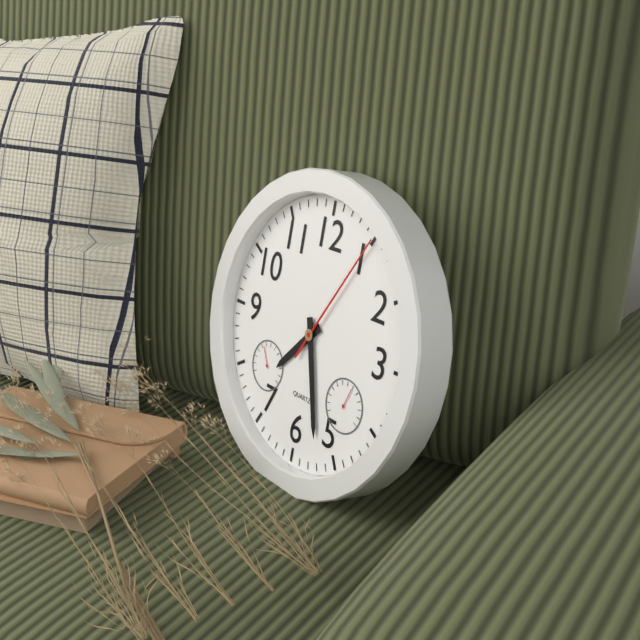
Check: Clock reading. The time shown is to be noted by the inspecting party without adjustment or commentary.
7:27:05
